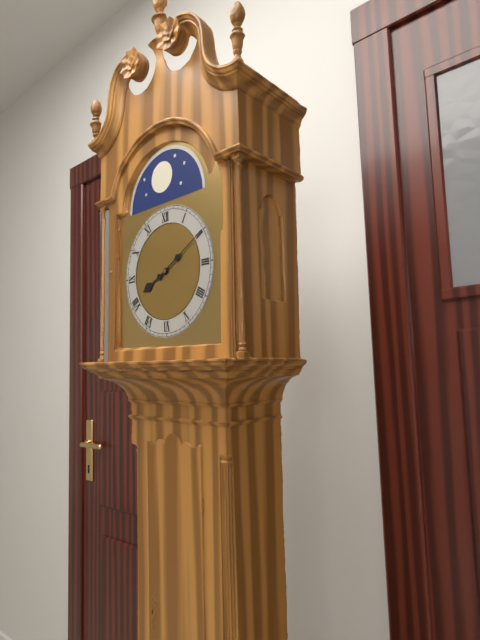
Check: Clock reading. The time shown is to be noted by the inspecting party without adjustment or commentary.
8:10
